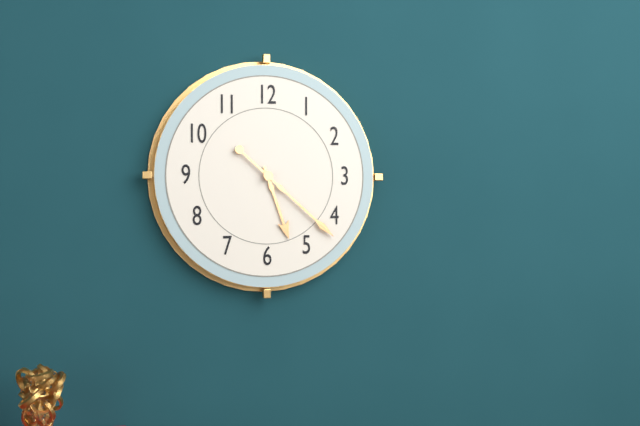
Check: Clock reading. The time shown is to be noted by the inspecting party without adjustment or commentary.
5:22
